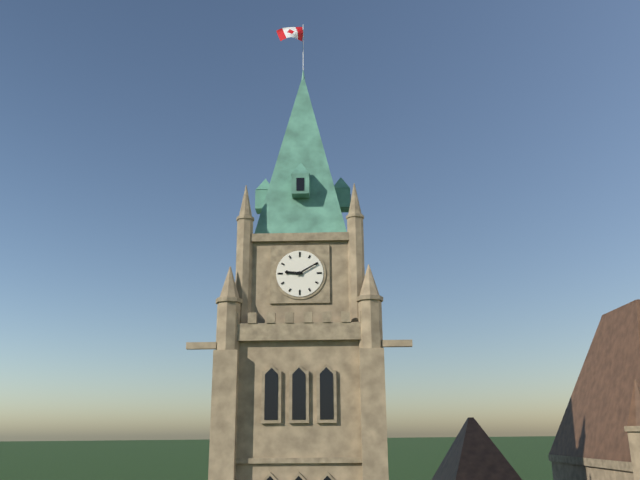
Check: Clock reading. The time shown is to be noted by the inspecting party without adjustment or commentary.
9:10
